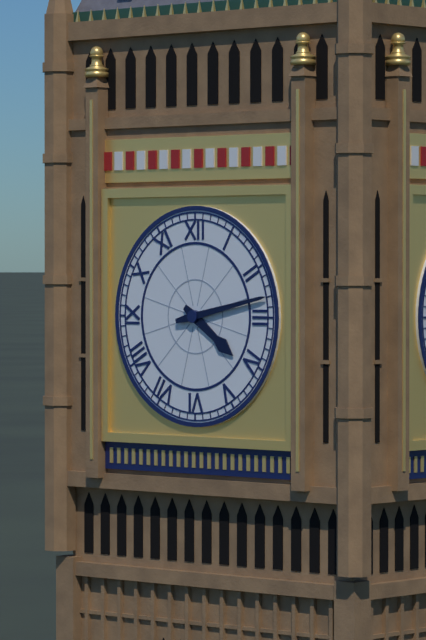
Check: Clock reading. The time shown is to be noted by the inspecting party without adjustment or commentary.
4:13
